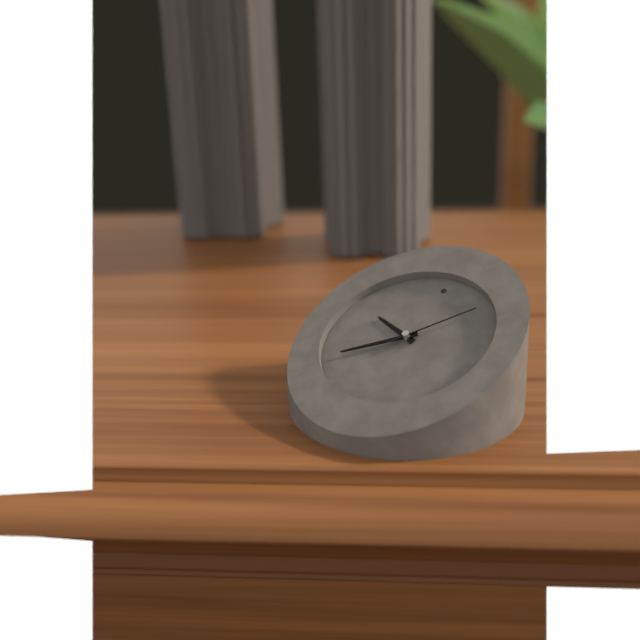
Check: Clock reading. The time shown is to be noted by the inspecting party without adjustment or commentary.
9:39:07
